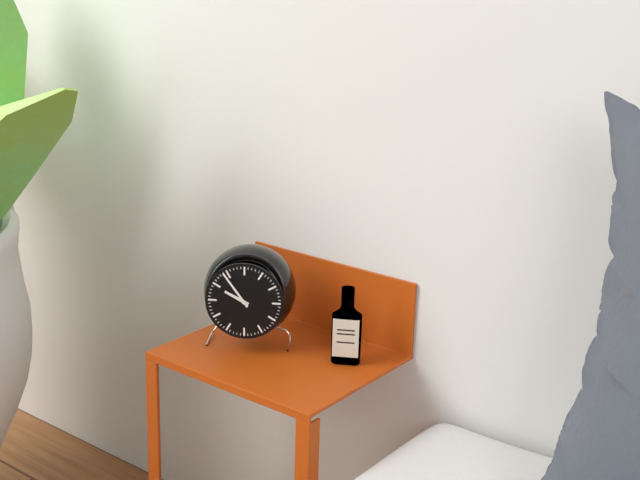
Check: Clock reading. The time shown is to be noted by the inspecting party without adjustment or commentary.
9:54
